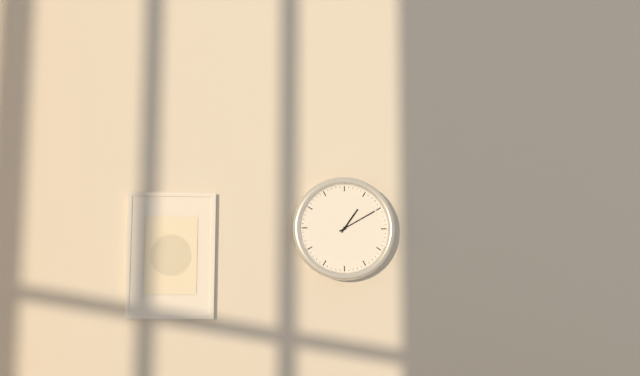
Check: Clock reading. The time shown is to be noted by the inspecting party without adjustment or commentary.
1:10
